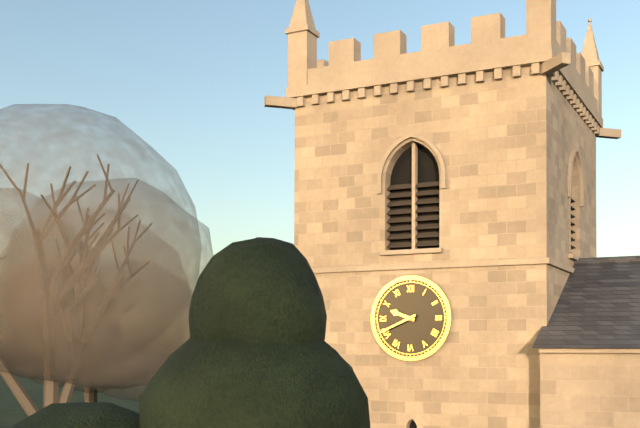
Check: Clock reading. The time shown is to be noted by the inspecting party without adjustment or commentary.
9:41
